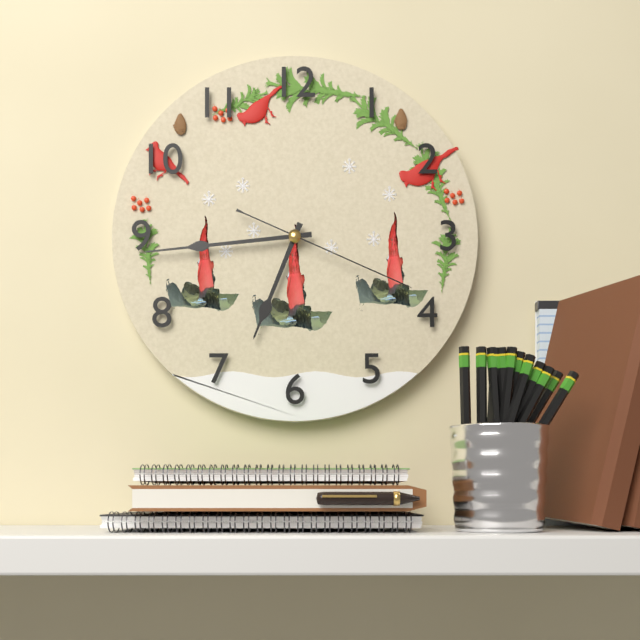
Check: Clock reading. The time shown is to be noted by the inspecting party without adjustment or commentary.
6:44:19
